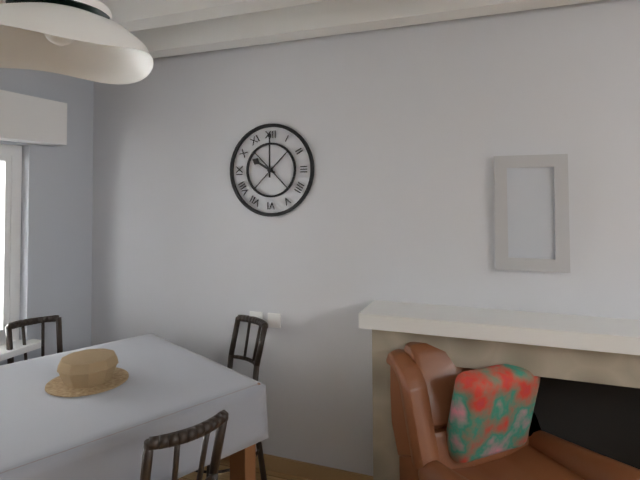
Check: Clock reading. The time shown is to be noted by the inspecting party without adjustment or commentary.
10:00
